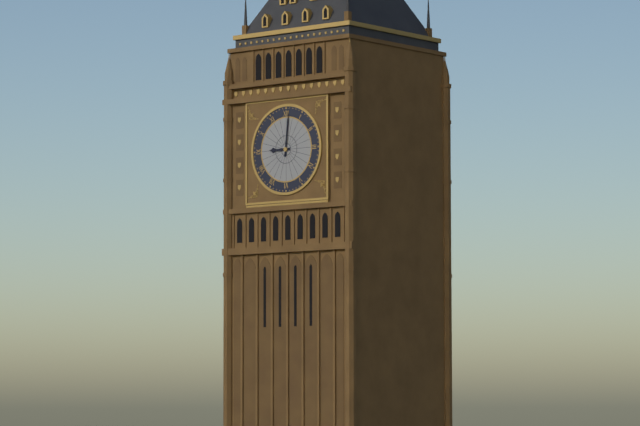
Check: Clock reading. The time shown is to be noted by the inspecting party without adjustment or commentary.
9:01
